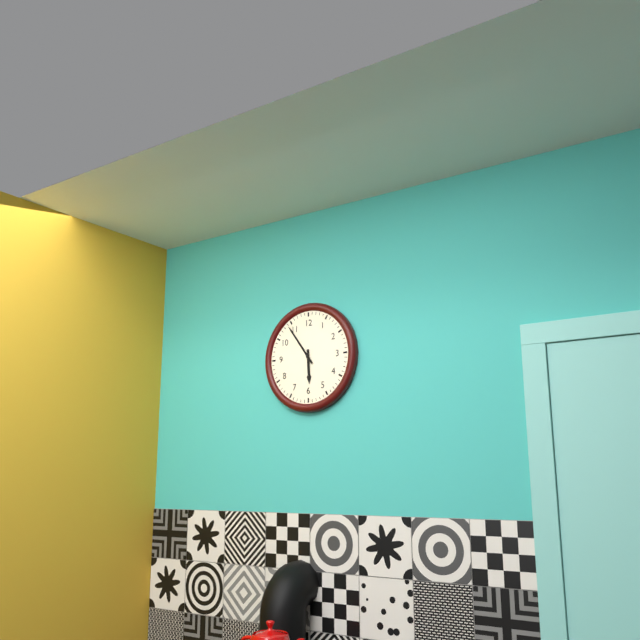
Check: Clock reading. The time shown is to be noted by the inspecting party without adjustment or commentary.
5:54
